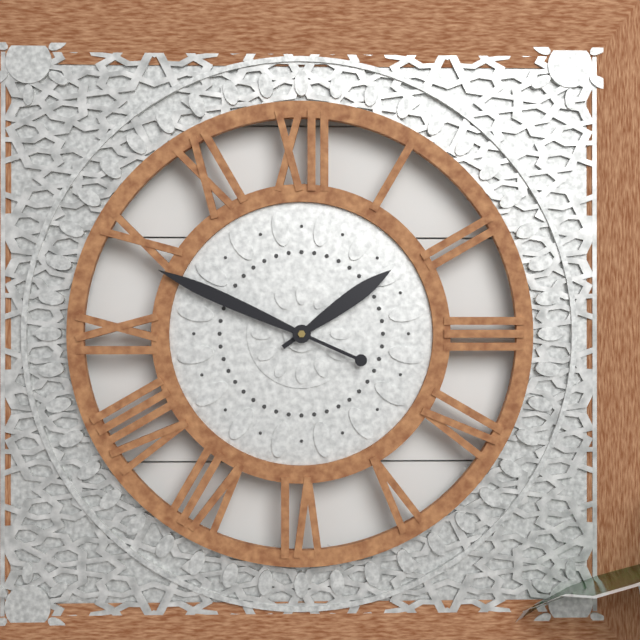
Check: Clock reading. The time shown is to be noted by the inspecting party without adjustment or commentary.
1:49
